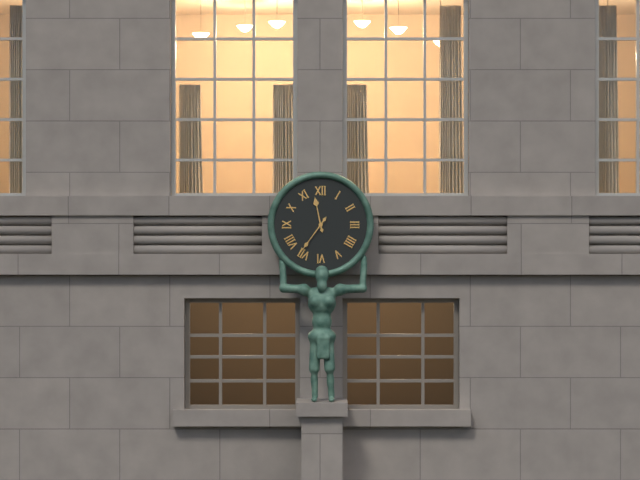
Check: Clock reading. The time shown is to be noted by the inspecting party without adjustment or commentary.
11:36
